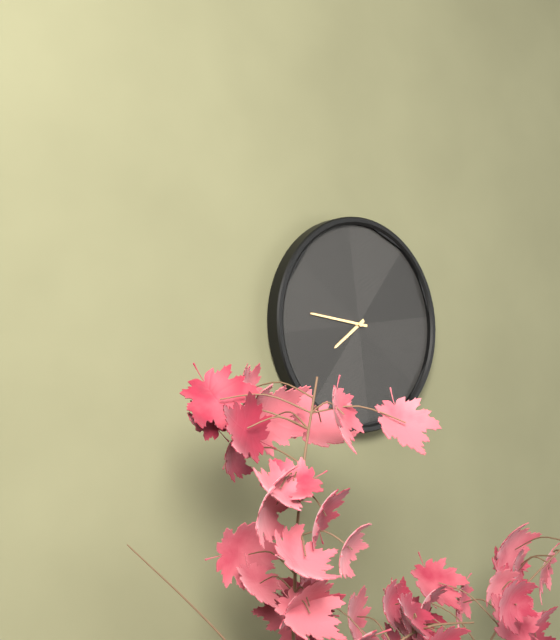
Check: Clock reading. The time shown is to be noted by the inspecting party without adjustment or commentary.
7:46
